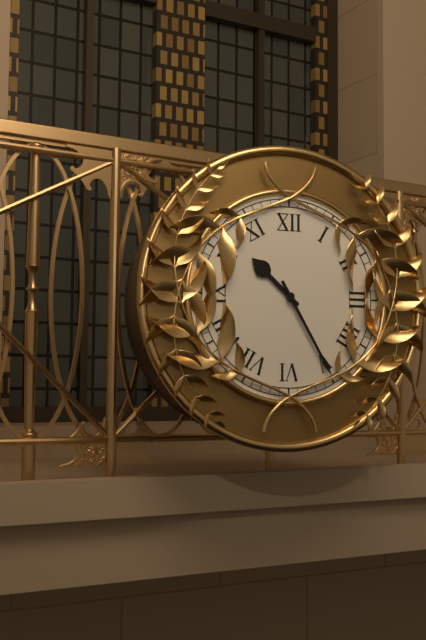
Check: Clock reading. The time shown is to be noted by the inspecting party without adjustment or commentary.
10:25
